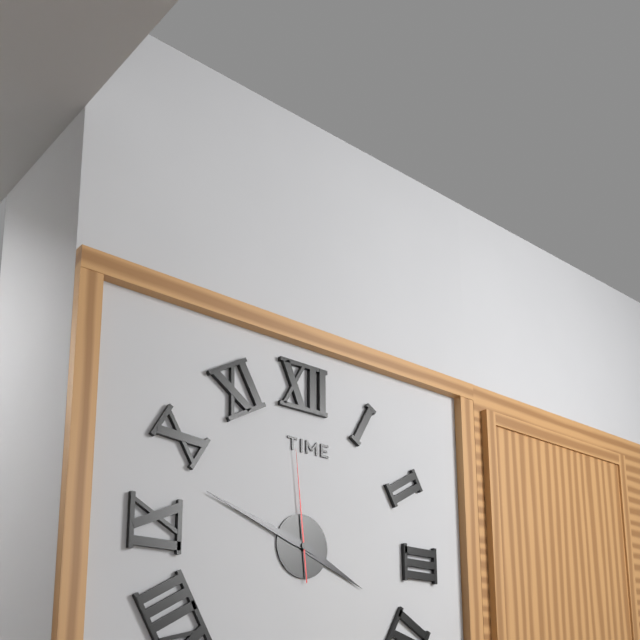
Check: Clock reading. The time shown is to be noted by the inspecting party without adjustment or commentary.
3:48:59
